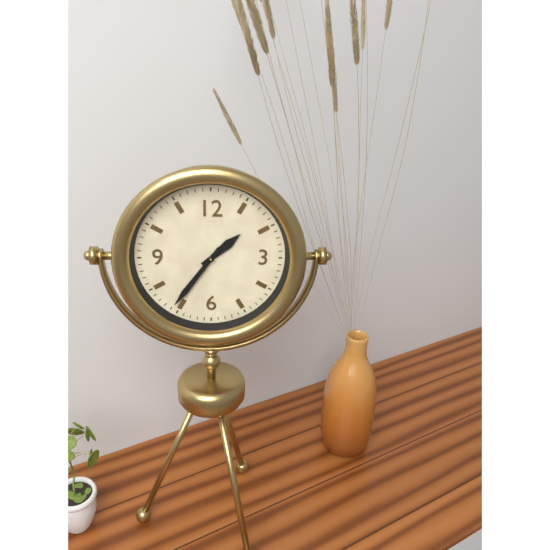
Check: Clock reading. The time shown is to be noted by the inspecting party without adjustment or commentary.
1:36
